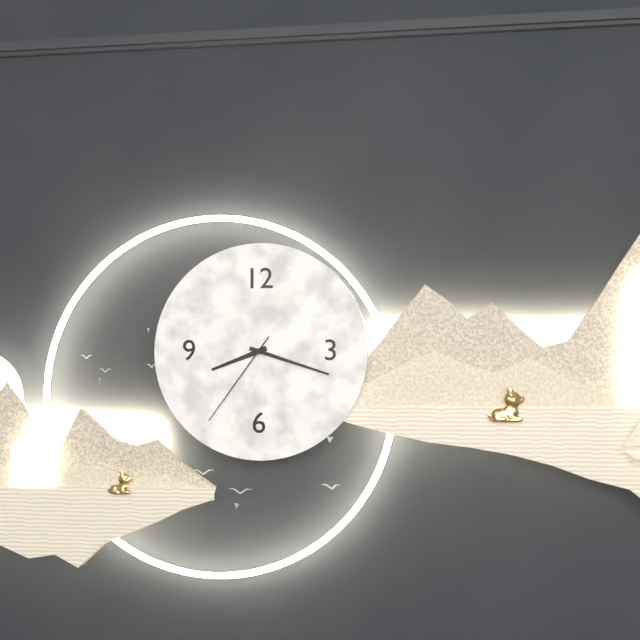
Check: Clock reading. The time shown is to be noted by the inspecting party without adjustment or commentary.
8:18:36
